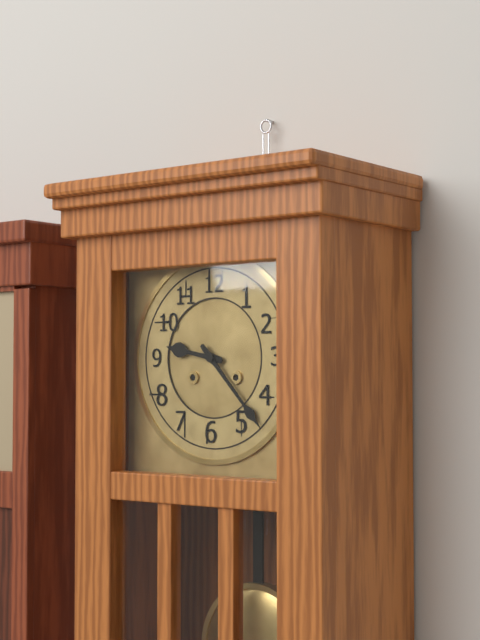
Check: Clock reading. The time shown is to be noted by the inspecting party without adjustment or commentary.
9:23
